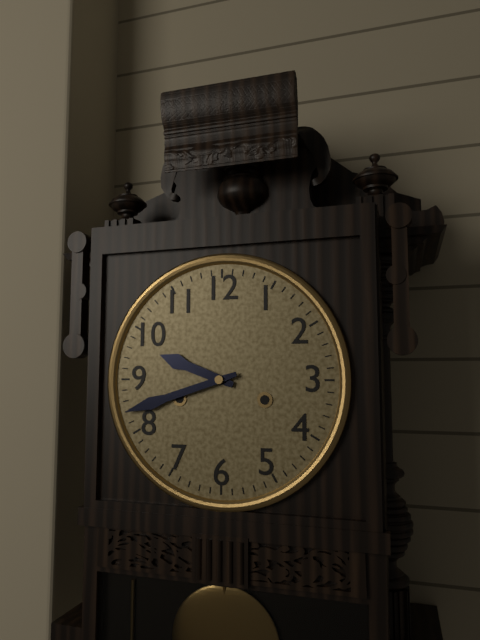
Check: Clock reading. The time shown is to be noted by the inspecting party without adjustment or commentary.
9:42
